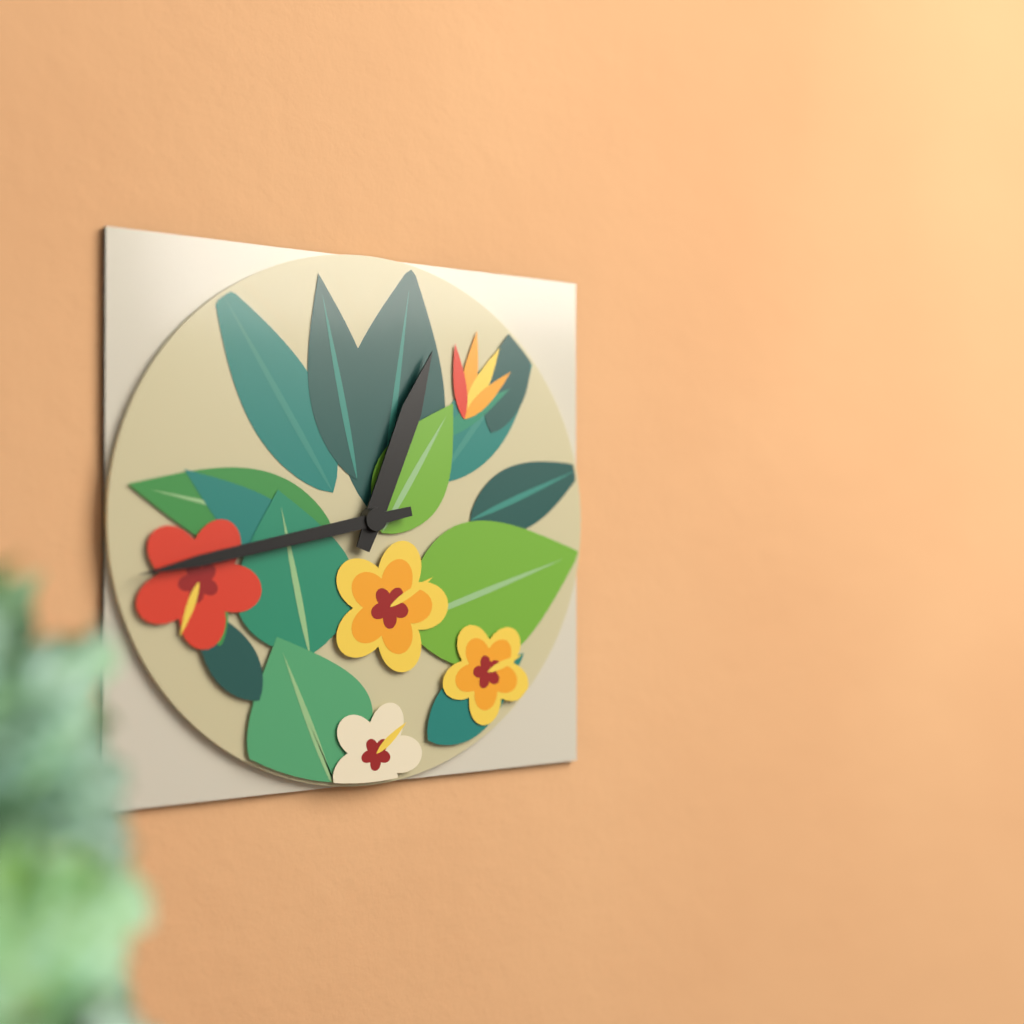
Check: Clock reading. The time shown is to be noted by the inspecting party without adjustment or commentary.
12:43
